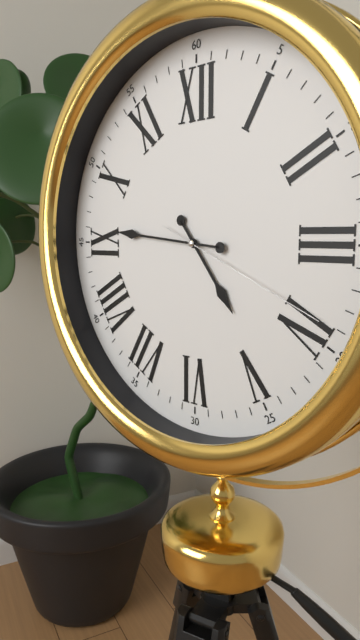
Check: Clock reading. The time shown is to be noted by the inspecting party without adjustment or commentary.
4:46:19
